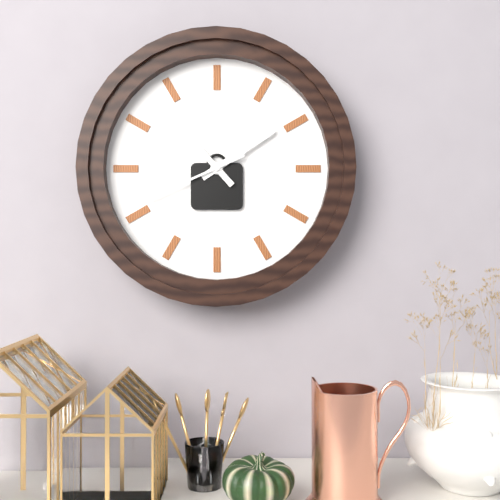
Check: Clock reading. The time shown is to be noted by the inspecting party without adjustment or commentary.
1:53:41
